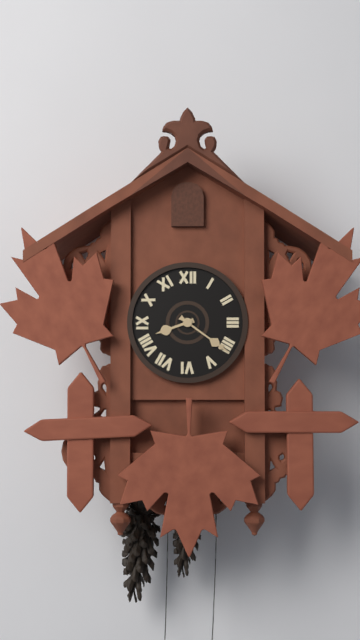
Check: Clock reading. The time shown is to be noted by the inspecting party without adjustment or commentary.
8:21
